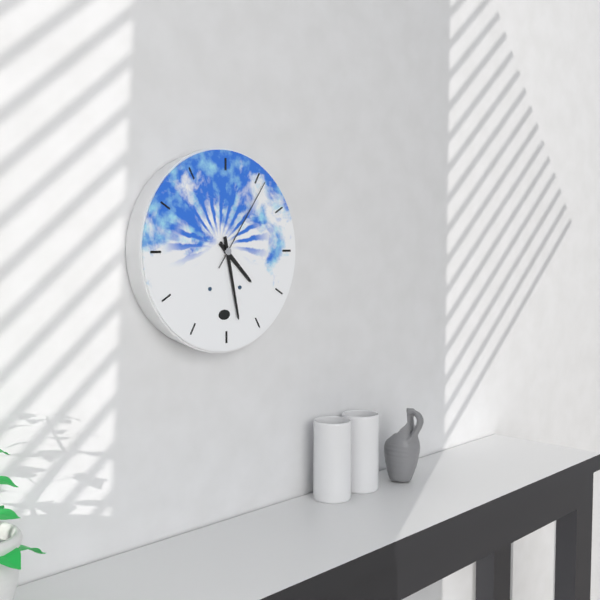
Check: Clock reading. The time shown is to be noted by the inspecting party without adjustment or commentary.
4:28:06
